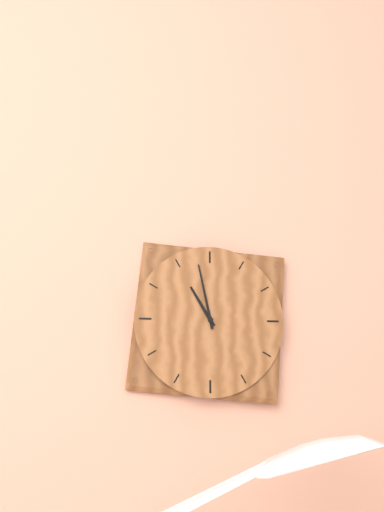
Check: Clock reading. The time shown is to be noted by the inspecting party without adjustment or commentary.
10:58
